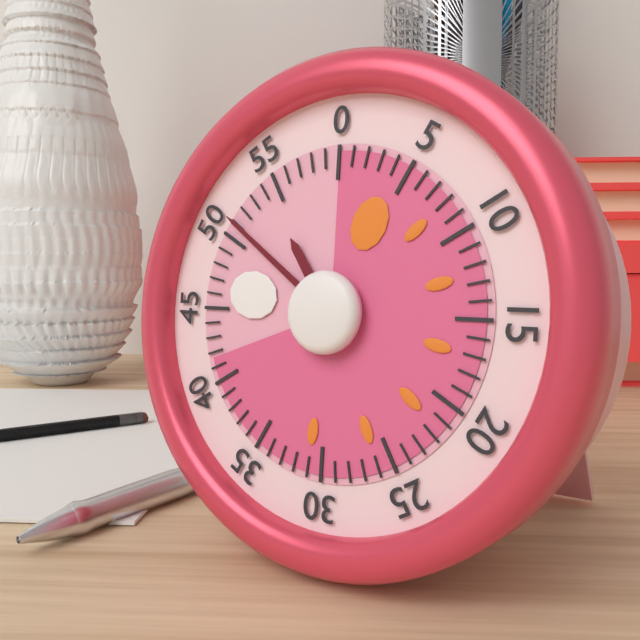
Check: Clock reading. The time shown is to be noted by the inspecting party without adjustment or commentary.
10:51
